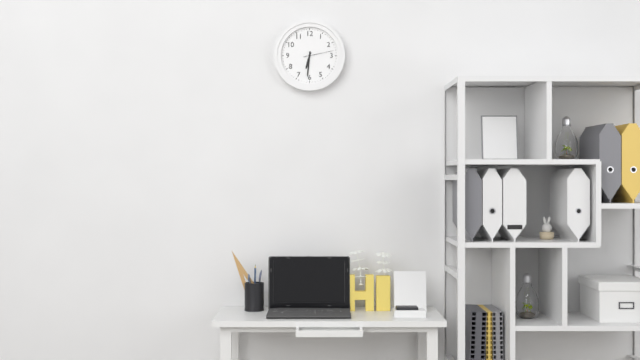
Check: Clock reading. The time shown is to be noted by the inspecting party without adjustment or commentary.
6:31
